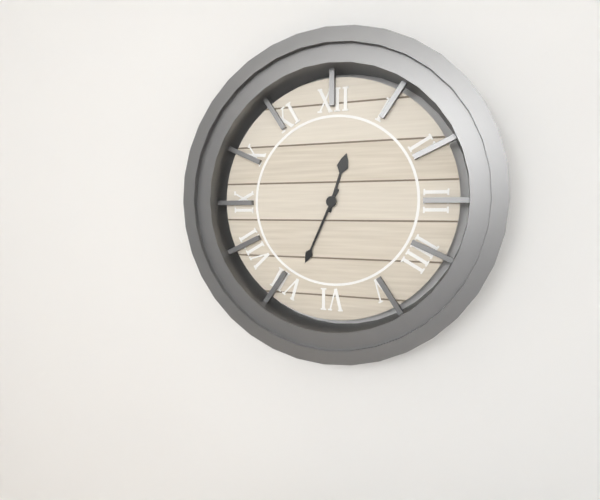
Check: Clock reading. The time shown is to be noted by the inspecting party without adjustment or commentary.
12:34
